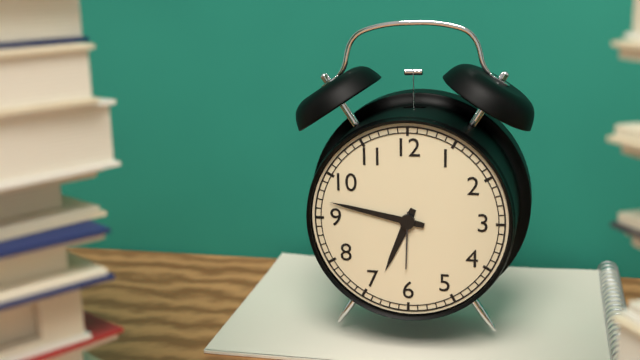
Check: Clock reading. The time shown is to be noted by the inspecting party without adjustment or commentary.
6:47
